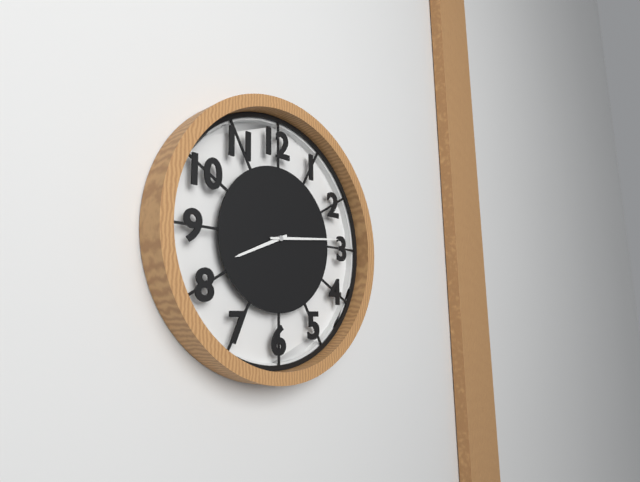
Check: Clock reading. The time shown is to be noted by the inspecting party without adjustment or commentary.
8:14
